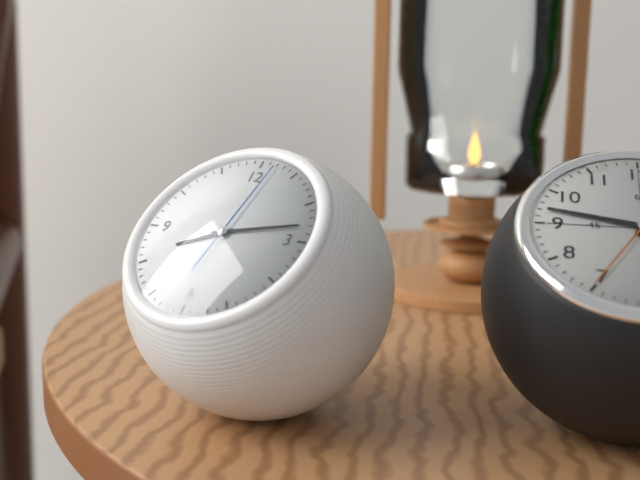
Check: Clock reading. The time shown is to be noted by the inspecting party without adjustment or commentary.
8:13:02
